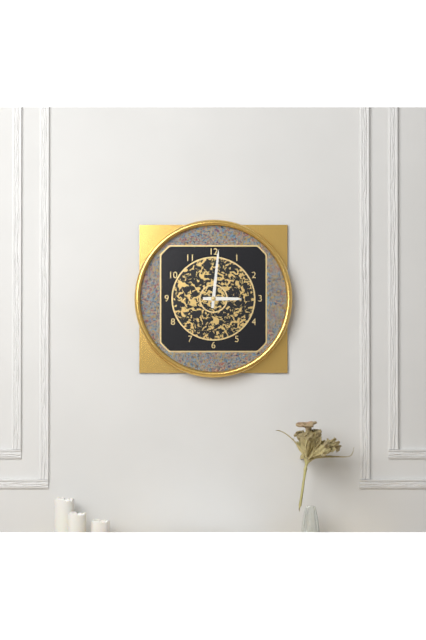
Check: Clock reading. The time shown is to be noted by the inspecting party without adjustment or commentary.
3:01
